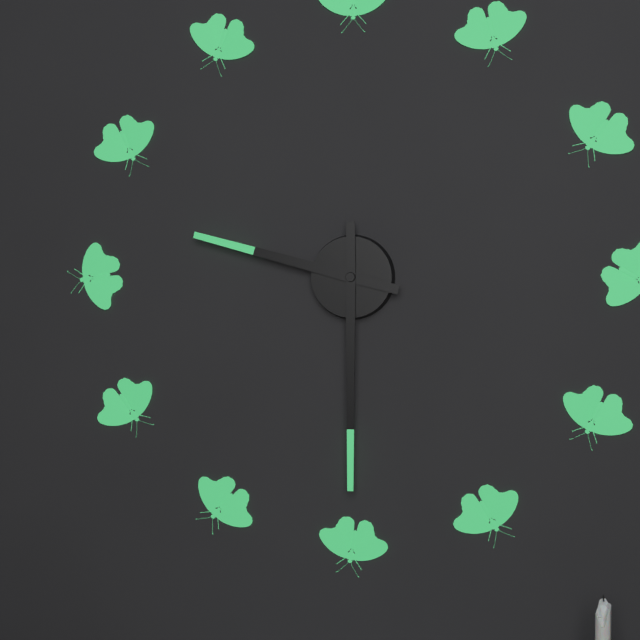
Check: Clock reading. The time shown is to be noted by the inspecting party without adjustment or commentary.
9:30
